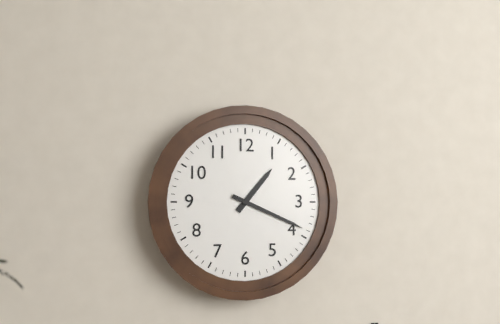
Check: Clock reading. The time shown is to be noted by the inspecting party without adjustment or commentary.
1:19
